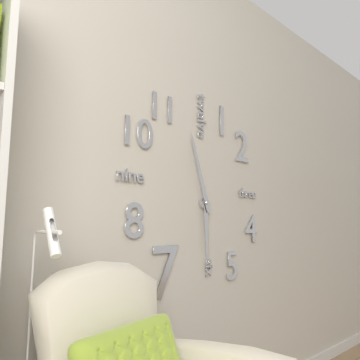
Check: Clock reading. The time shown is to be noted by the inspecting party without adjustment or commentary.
5:57
